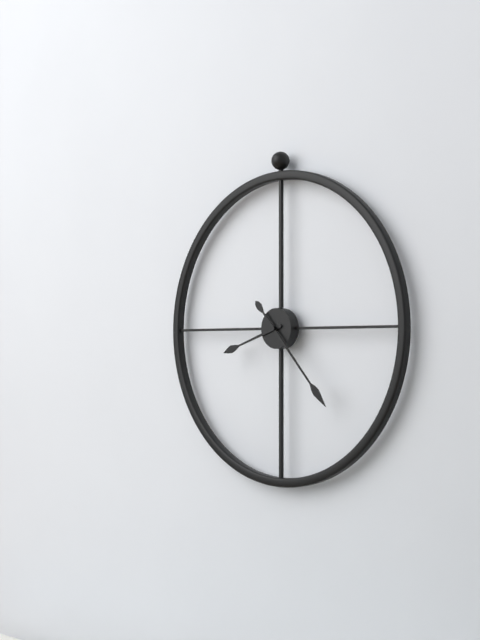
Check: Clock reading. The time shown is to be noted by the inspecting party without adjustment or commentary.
8:23
